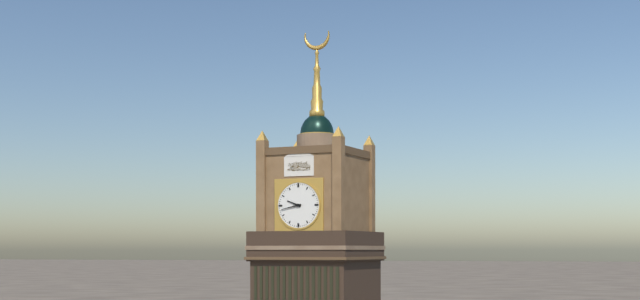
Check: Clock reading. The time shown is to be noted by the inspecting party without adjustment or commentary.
9:43
